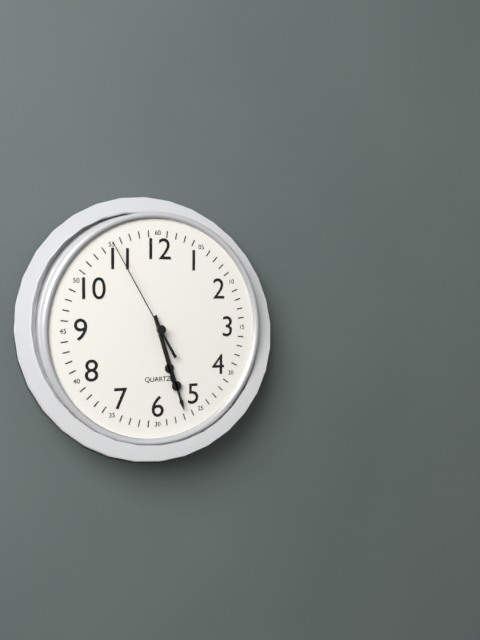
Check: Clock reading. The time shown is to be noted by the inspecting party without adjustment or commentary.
5:27:55
